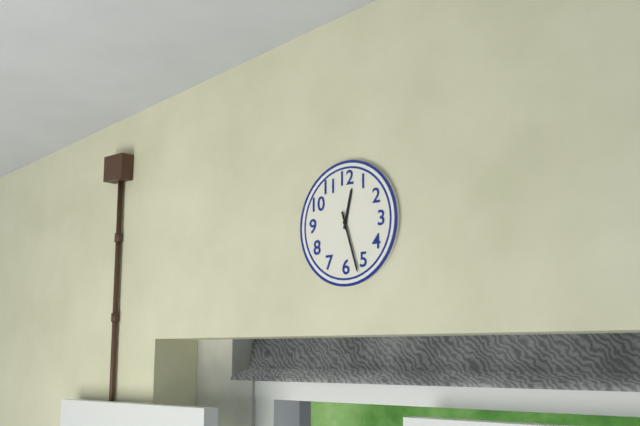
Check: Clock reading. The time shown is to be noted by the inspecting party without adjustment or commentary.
12:27
